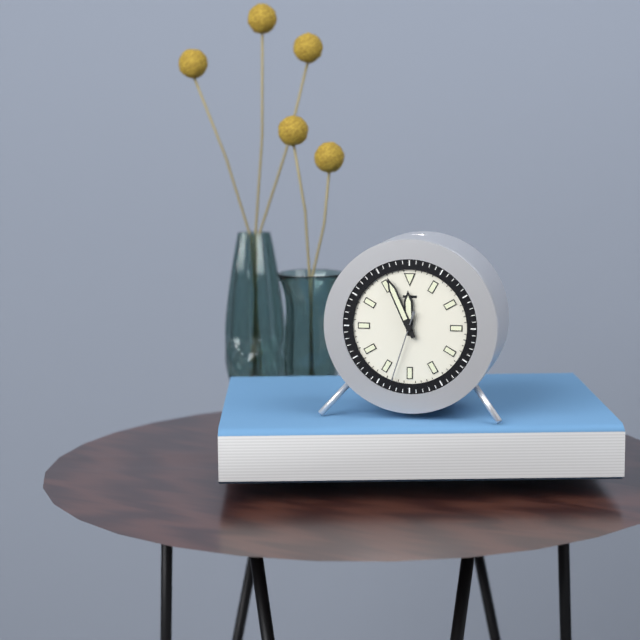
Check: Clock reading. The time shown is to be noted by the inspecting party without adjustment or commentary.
11:56:33
